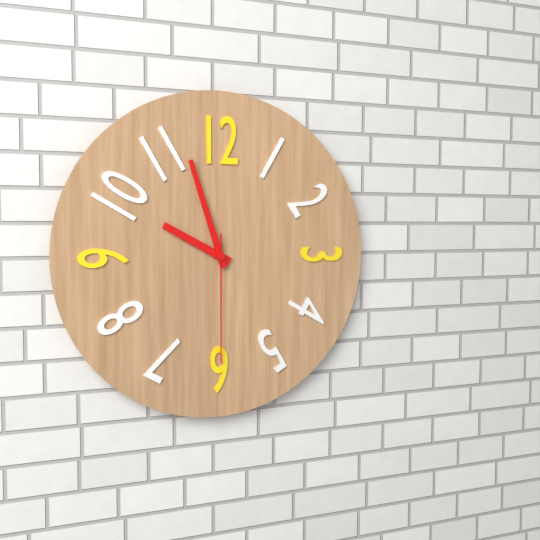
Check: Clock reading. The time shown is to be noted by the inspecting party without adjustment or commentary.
9:57:30
